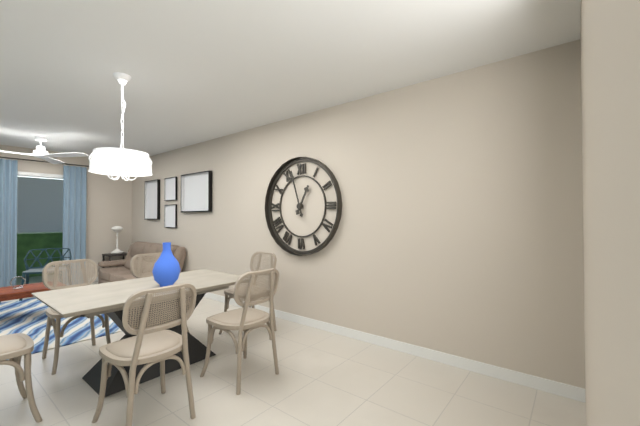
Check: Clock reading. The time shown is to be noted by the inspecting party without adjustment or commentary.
12:57
